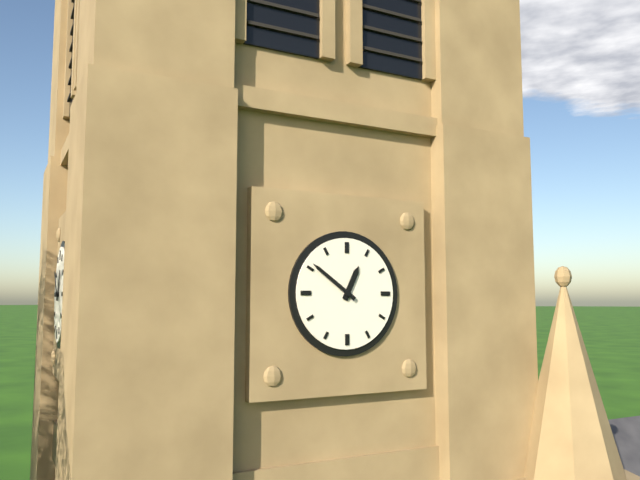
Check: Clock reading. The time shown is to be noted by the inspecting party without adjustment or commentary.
12:51
